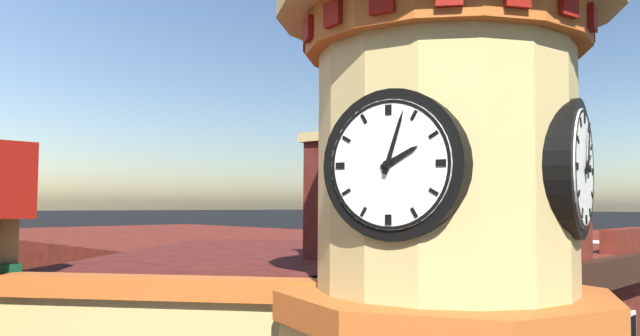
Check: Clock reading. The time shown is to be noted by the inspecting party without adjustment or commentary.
2:03
